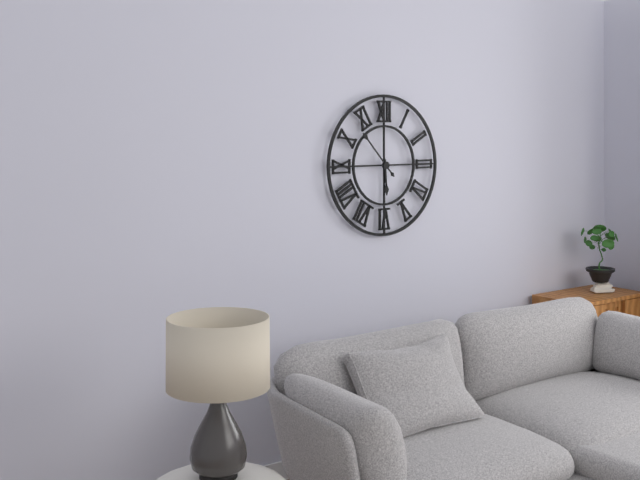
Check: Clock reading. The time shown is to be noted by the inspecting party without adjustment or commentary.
5:53
